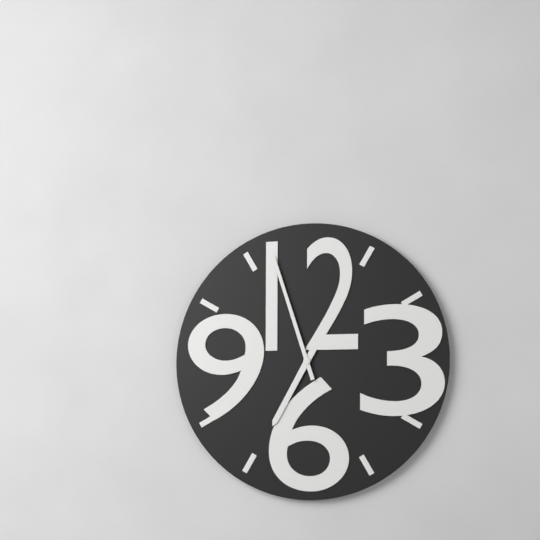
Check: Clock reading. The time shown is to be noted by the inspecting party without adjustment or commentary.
6:57
